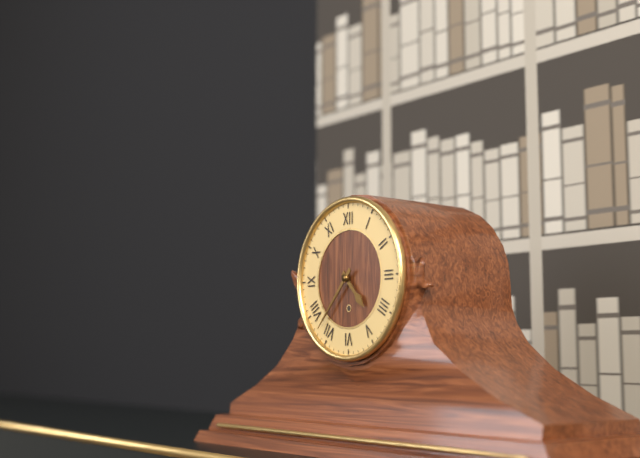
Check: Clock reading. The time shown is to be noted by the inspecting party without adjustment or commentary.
4:37
